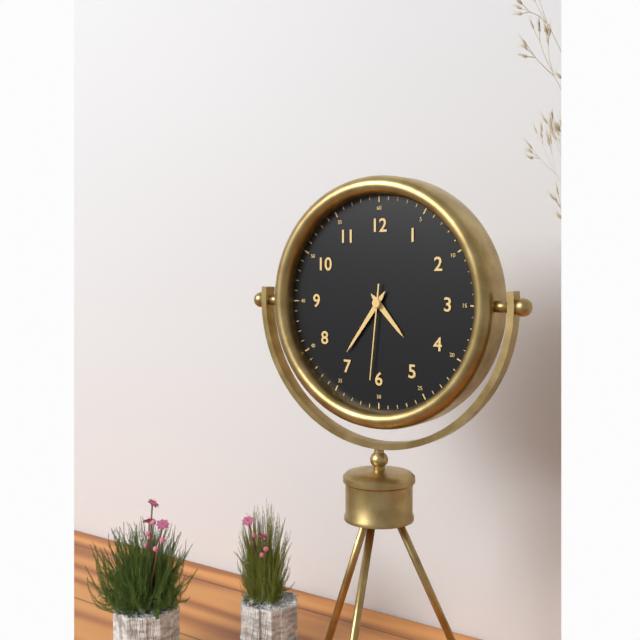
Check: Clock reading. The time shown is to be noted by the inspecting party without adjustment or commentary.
4:36:31
